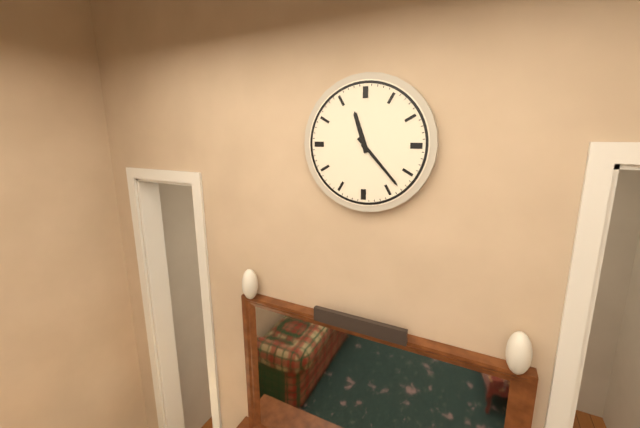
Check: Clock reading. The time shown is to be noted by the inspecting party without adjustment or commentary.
11:23
